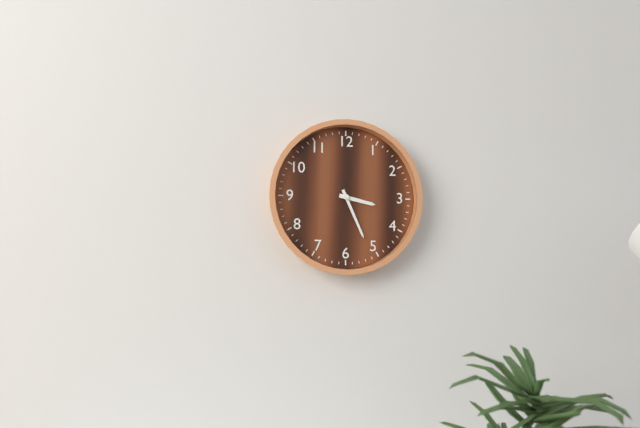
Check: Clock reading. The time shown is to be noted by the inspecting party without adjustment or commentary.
3:26
